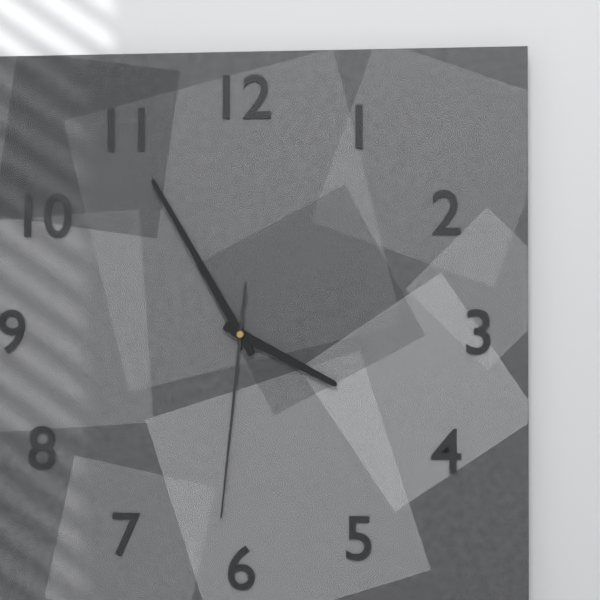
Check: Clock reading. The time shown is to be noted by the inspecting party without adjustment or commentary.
3:55:31
